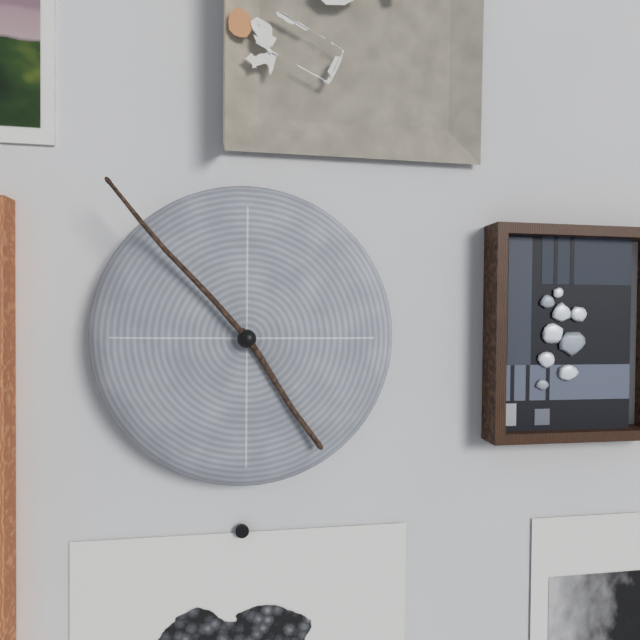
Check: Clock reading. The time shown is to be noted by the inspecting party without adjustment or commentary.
4:53
